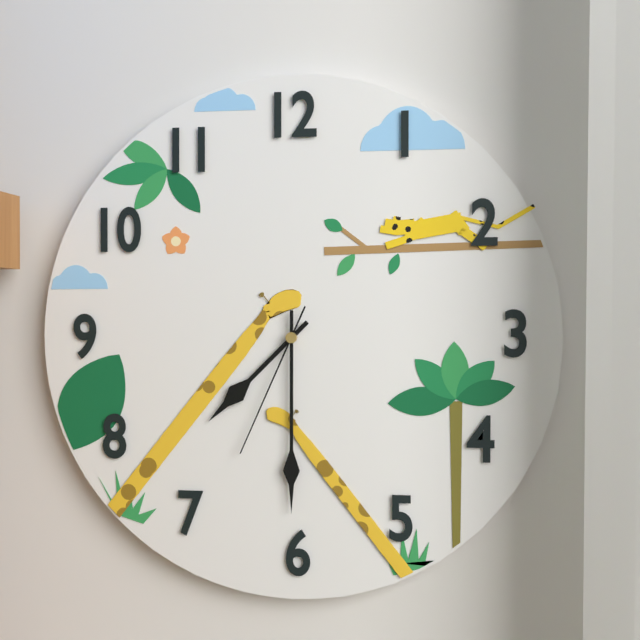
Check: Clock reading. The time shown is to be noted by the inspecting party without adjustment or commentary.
7:30:34
